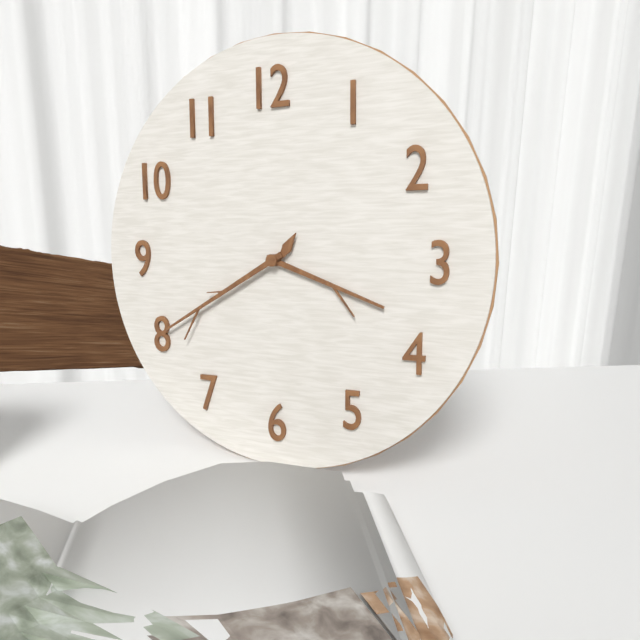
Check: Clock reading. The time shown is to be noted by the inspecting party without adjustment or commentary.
3:40
